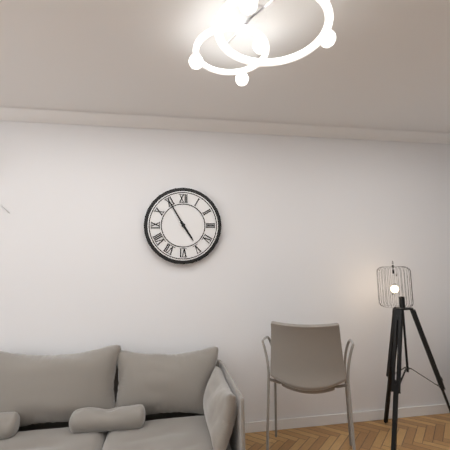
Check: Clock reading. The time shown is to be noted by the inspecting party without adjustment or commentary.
4:55
